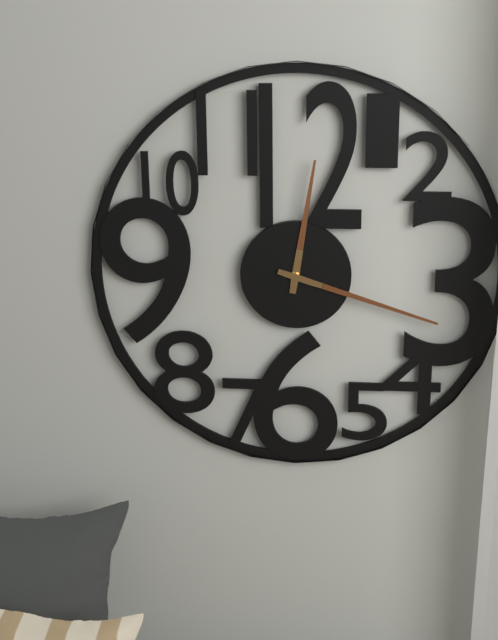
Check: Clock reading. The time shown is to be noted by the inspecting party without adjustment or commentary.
12:18
